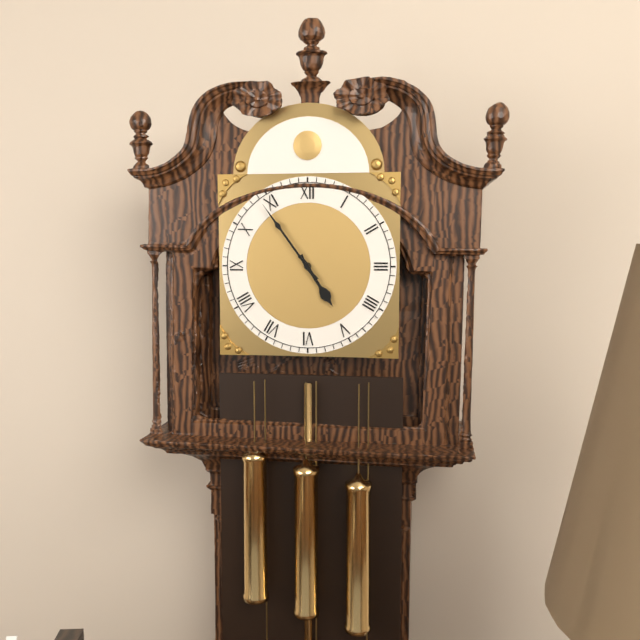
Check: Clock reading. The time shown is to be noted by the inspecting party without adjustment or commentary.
4:54
